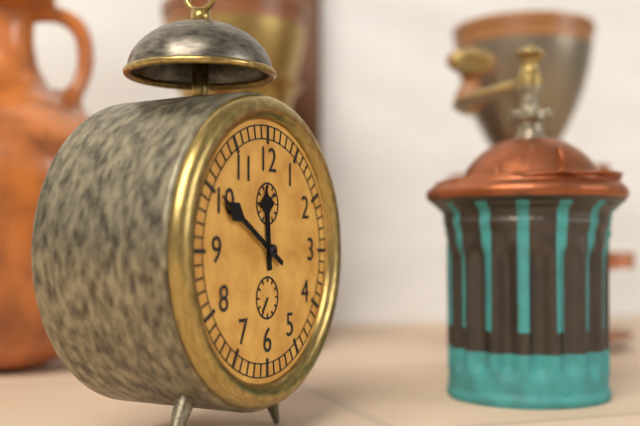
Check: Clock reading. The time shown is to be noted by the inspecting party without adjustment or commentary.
11:50
